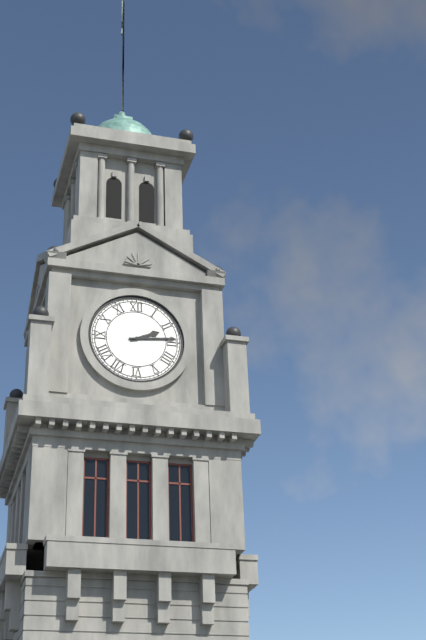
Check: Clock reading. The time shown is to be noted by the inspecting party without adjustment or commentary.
2:14
